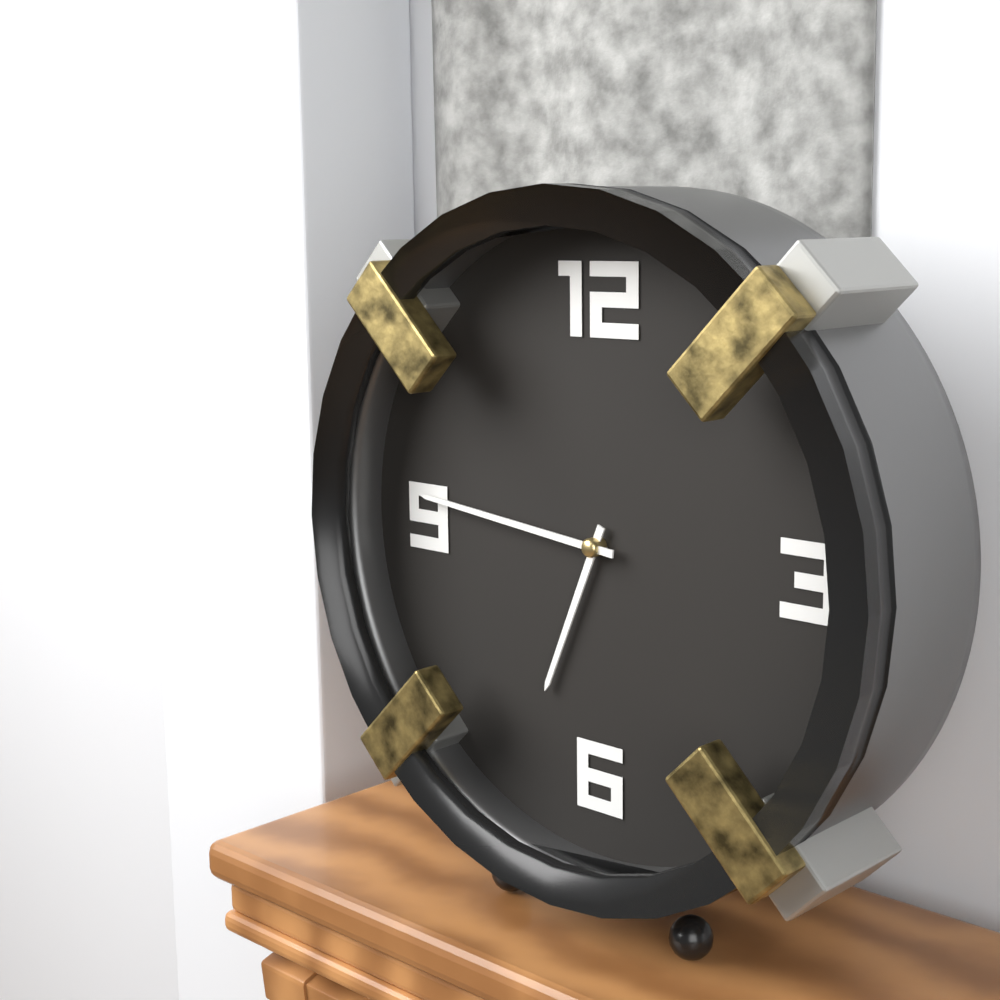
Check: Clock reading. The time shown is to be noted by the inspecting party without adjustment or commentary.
6:46
